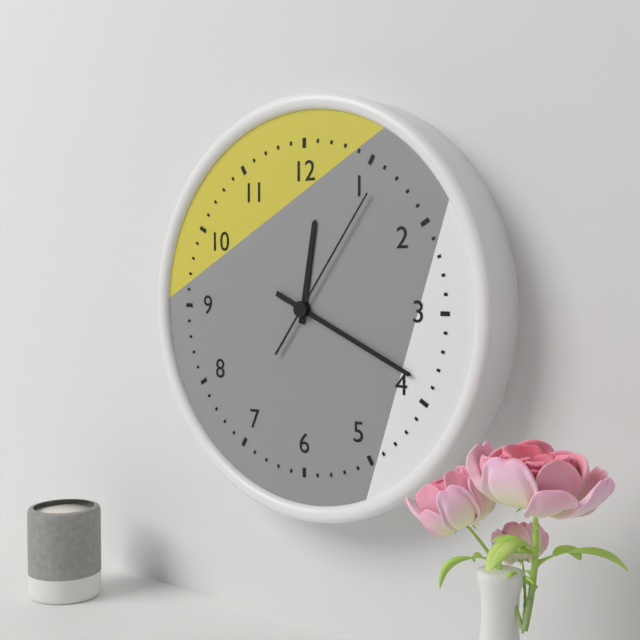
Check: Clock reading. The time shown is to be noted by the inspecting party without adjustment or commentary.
12:19:06
